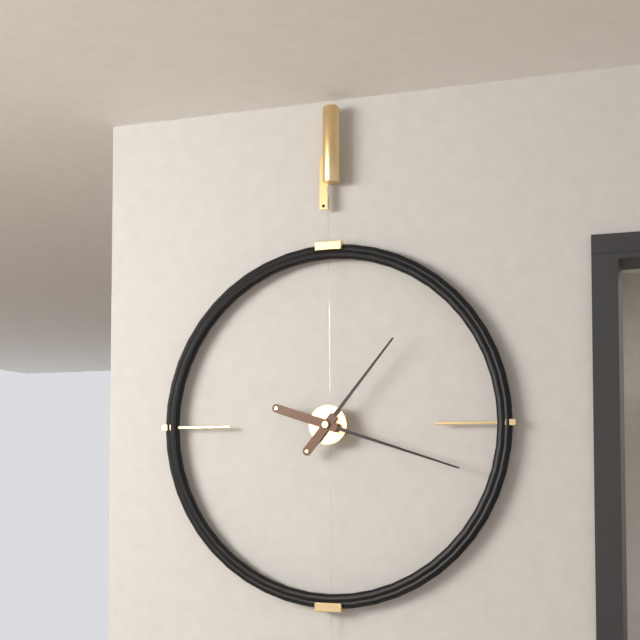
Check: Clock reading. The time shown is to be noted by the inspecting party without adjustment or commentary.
1:18
